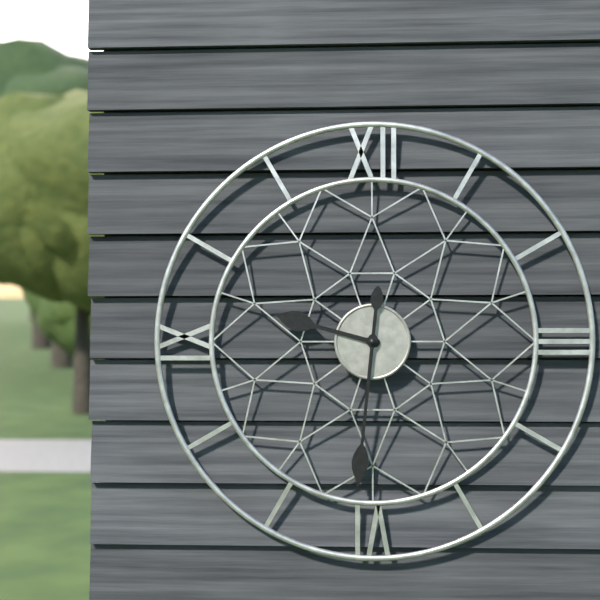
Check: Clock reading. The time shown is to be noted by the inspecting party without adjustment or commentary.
9:31
